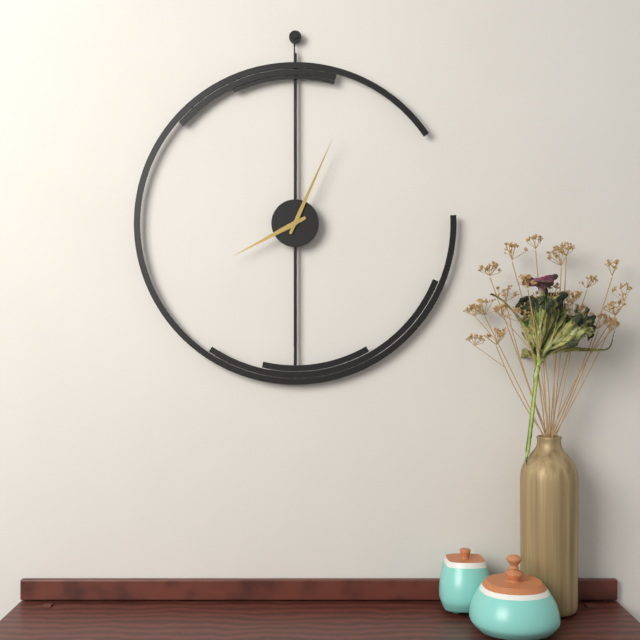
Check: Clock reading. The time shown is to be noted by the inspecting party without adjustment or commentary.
8:04
